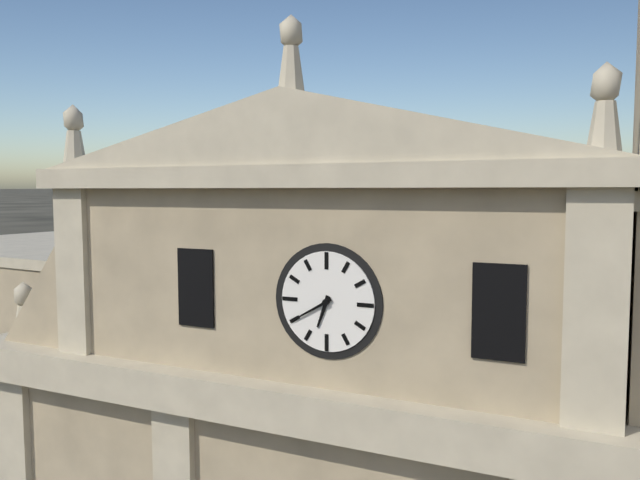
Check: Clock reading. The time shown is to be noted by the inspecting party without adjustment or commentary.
6:40
